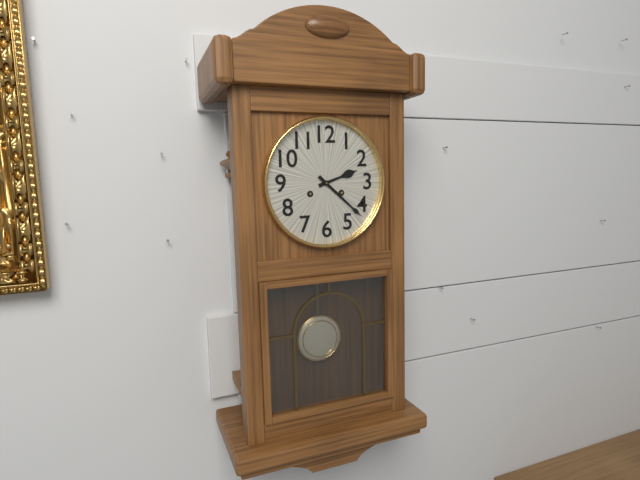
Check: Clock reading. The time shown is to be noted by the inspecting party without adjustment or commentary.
2:22
